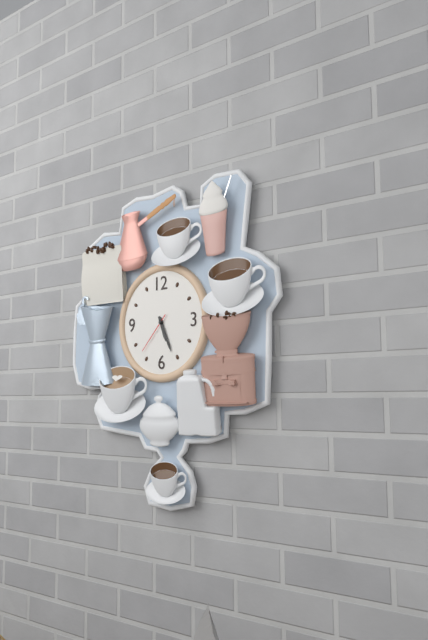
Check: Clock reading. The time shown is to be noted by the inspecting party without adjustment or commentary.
5:26
